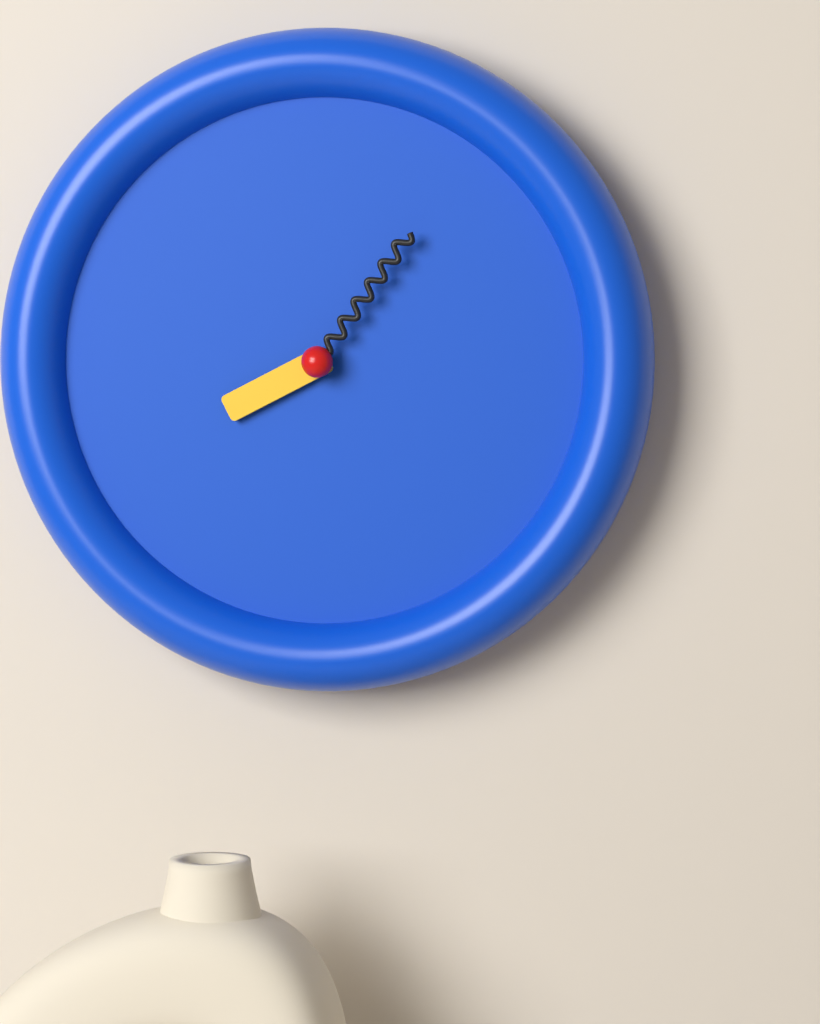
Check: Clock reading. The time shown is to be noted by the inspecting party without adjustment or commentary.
8:06
